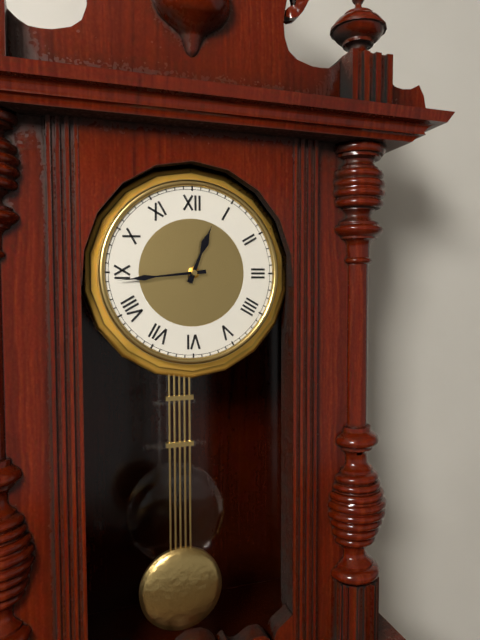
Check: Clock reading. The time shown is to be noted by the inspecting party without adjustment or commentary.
12:44
